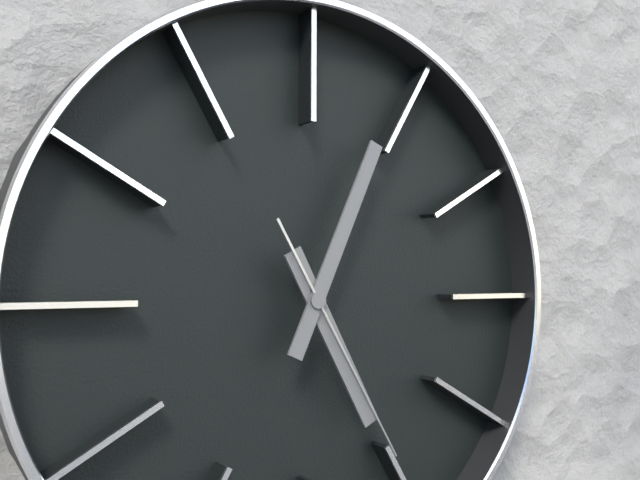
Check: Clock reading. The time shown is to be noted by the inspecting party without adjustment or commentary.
5:04:25
